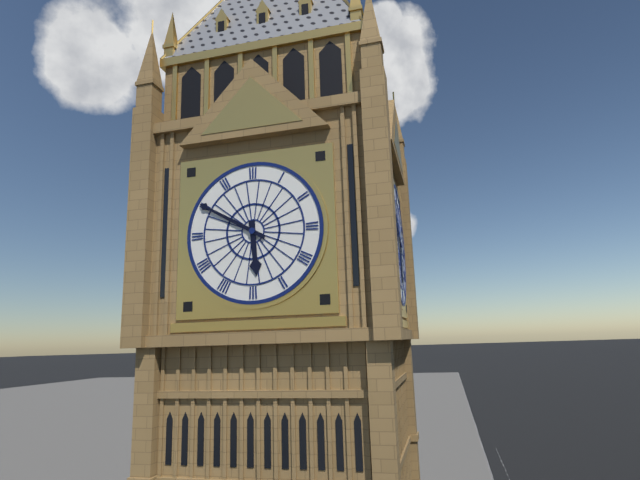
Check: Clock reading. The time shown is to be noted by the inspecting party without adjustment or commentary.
5:50
